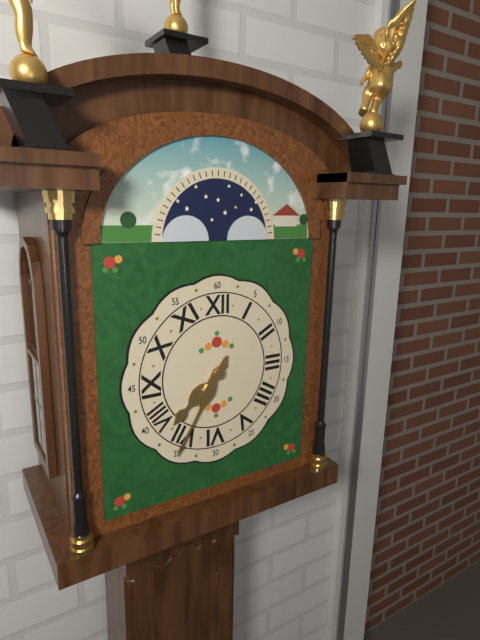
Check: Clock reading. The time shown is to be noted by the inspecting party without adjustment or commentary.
7:35
